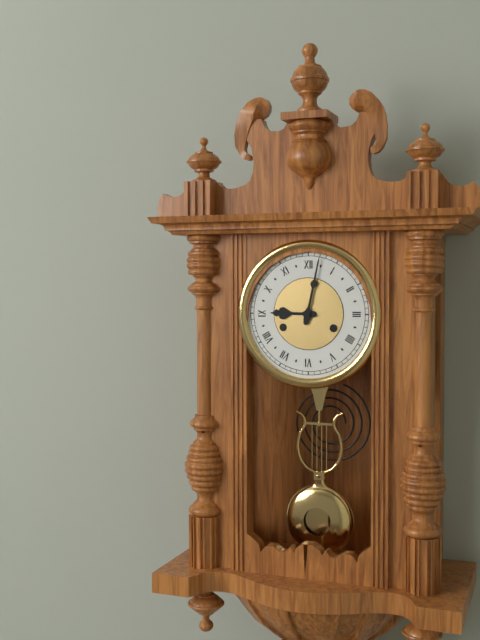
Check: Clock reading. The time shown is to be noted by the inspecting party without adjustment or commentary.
9:02
